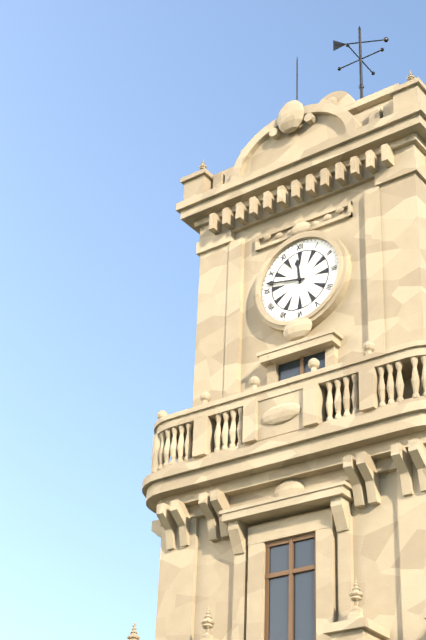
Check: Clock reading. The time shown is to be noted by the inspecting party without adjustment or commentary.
11:47
